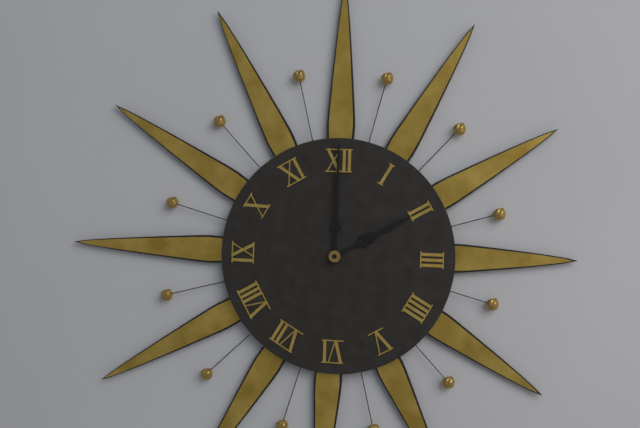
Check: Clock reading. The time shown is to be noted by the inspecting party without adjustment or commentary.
2:00
